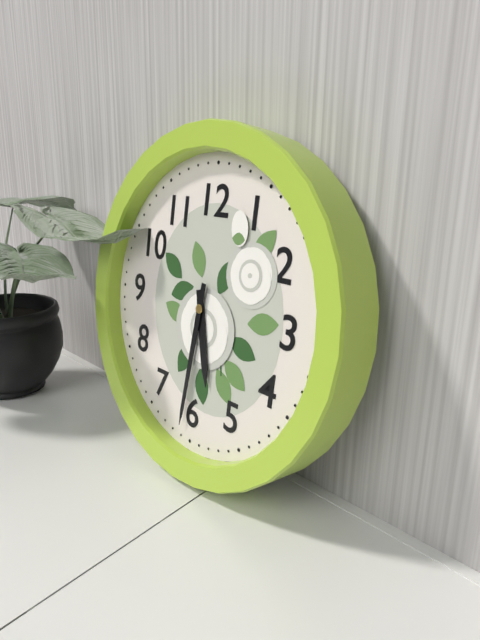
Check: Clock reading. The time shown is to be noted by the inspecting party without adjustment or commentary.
5:31
